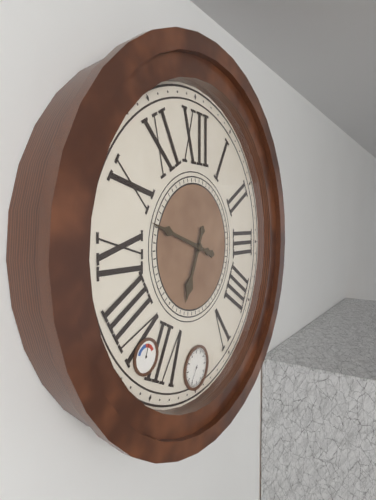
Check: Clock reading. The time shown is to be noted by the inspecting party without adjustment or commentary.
6:48
